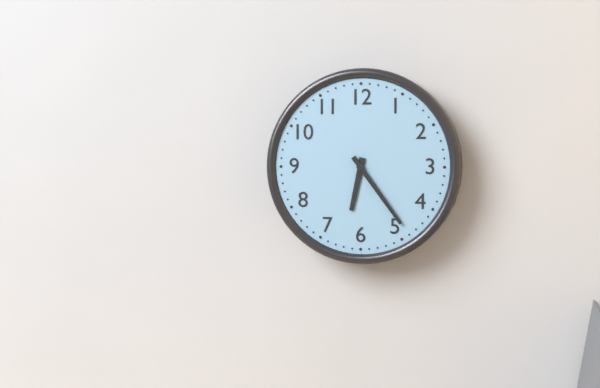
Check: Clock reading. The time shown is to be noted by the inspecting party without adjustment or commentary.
6:24
